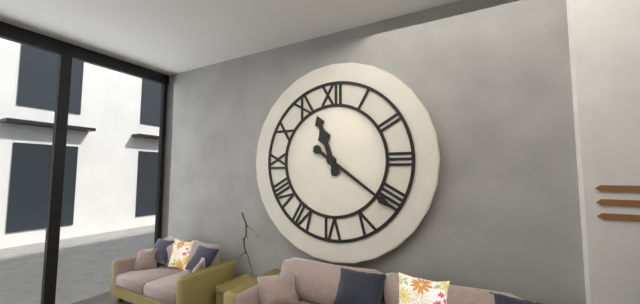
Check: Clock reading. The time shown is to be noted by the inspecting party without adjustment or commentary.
11:21
